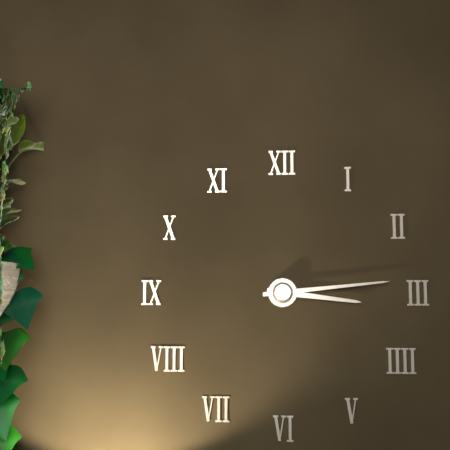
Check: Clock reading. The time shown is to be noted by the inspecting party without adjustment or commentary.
3:14
